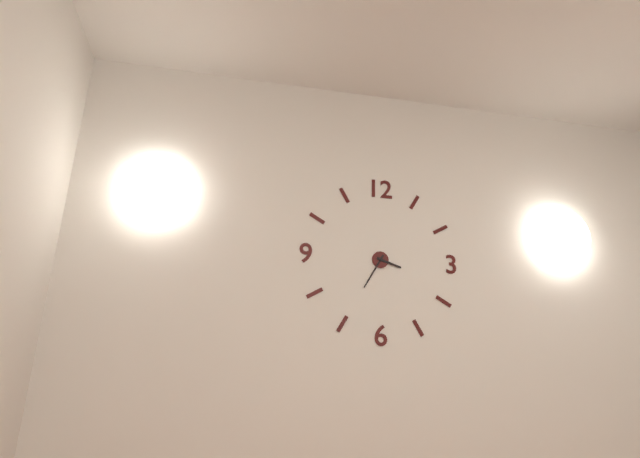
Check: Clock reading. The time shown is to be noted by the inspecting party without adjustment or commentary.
3:35
